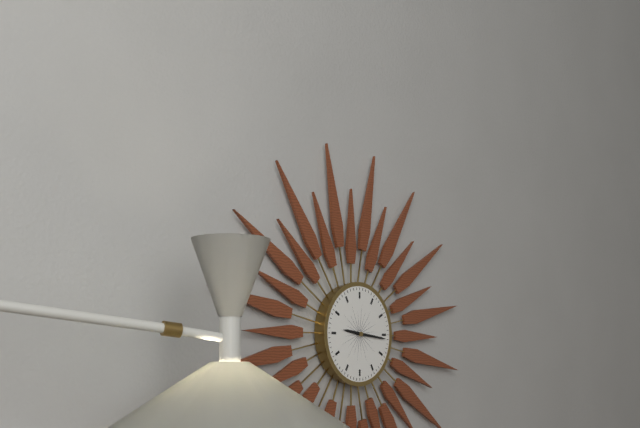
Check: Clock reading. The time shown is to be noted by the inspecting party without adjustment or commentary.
9:16
